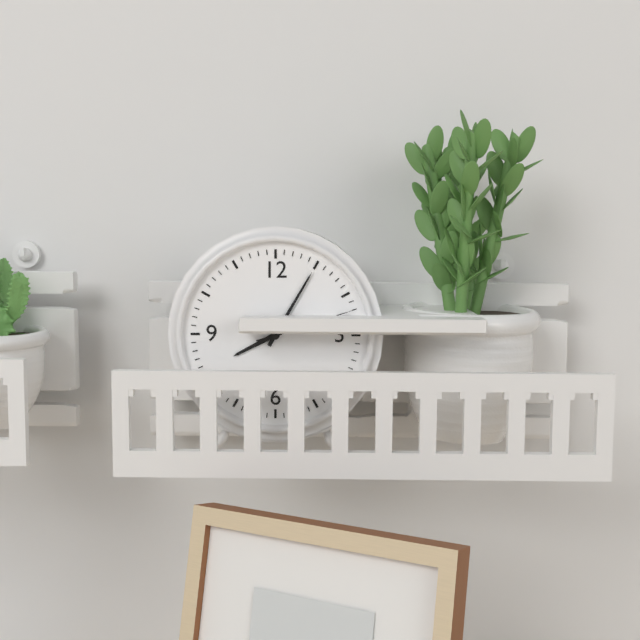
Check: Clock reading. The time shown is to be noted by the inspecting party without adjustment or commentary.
8:05:12
